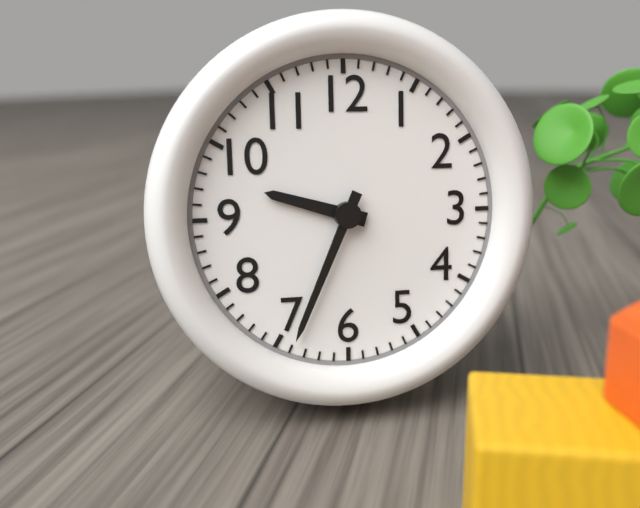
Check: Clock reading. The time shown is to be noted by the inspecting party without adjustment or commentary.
9:34
